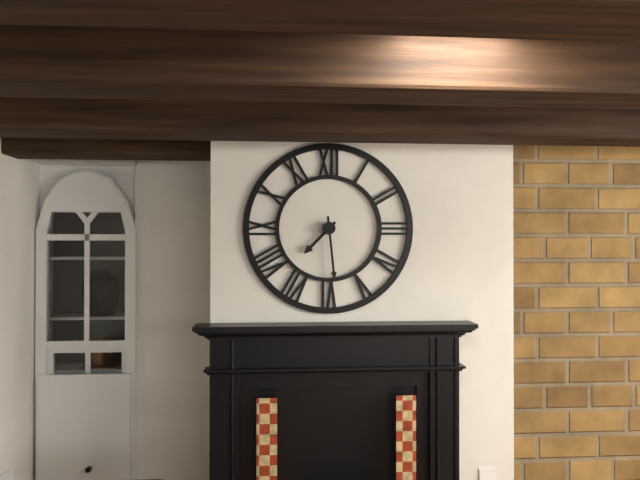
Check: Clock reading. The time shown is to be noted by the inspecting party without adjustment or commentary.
7:29
